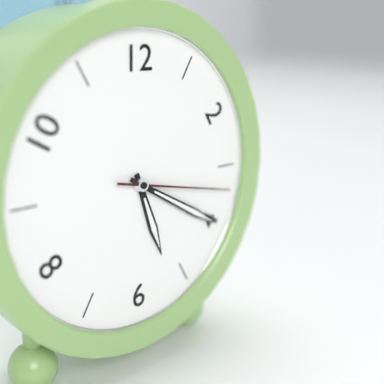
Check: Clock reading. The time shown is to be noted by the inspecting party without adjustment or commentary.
5:20:17
